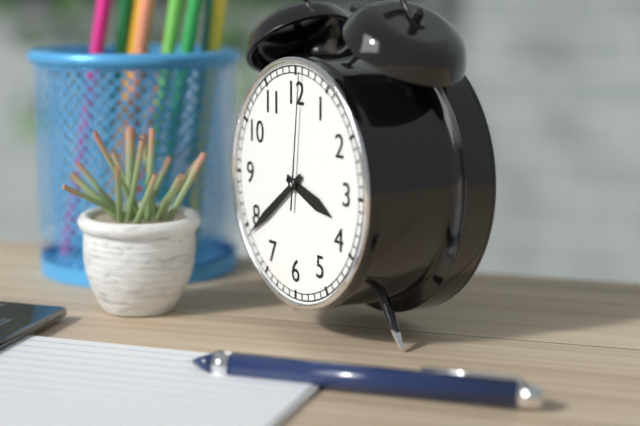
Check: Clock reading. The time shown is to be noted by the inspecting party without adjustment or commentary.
3:39:01
